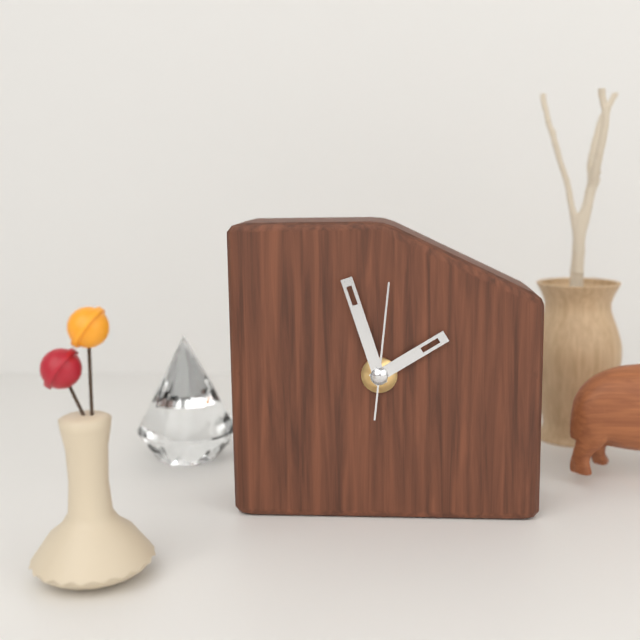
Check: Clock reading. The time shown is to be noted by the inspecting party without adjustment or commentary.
1:57:01
